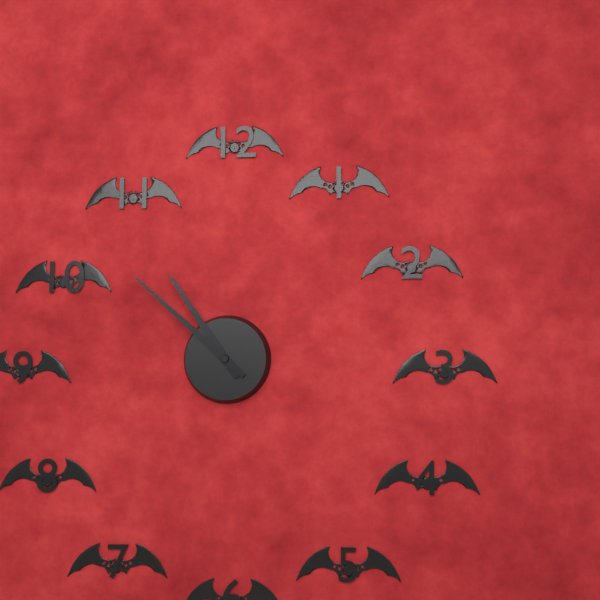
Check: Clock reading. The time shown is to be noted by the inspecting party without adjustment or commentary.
10:52
